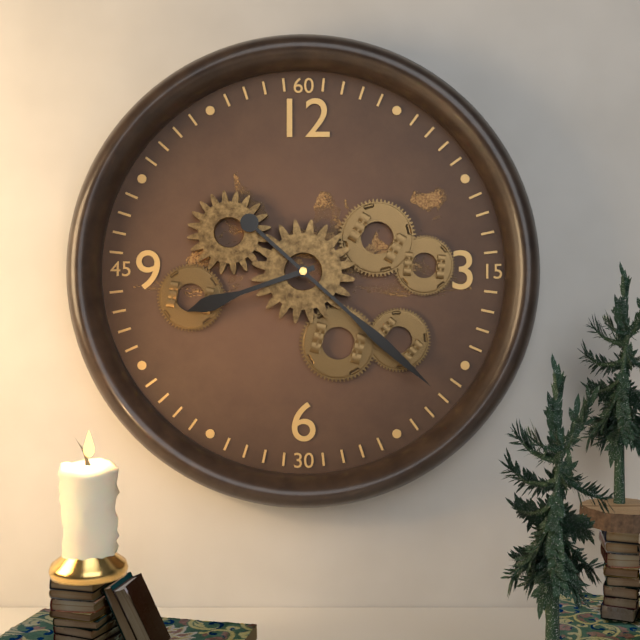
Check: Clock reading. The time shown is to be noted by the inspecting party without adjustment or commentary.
8:22
